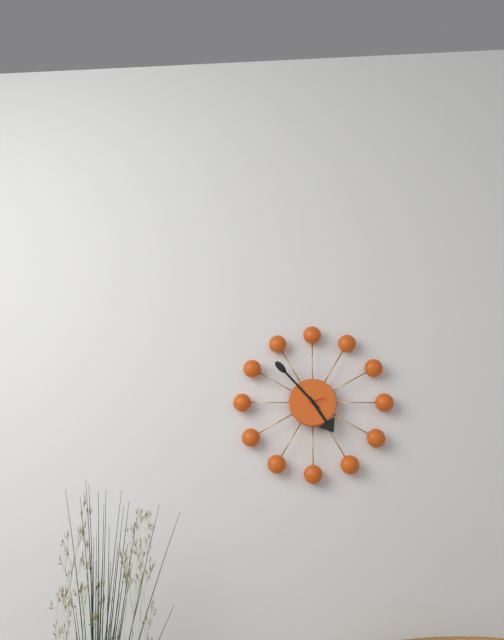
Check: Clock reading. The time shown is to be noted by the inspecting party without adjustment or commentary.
4:53
